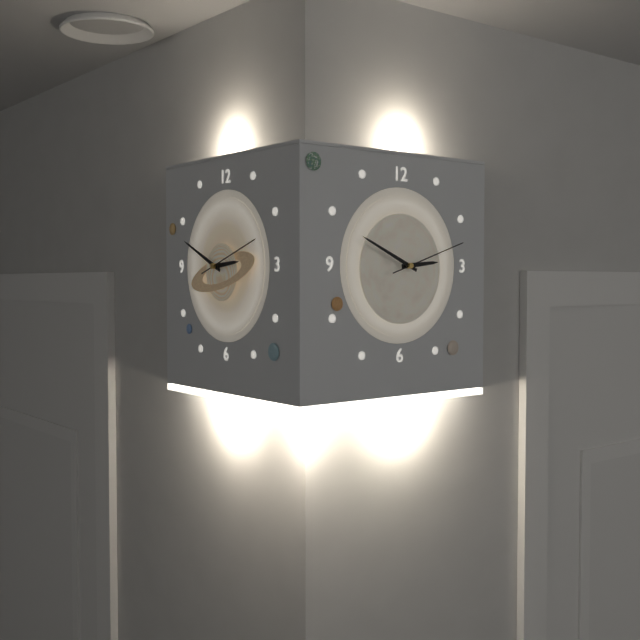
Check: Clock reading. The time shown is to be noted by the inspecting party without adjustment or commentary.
2:49:12
